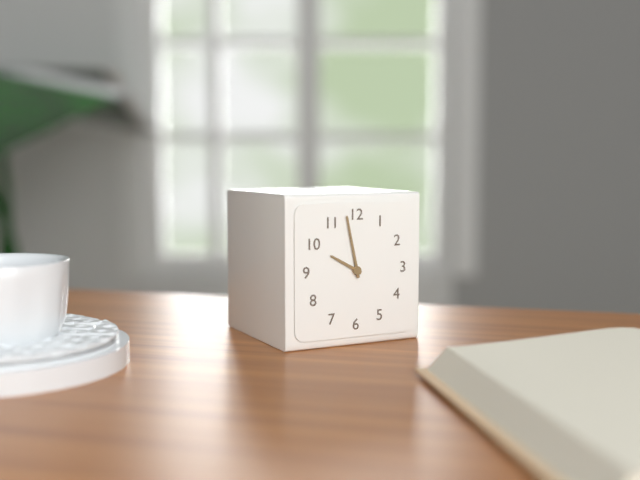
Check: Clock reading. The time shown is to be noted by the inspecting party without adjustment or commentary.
9:58
